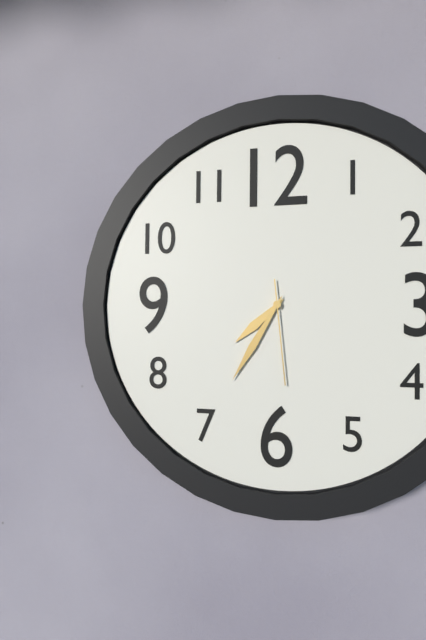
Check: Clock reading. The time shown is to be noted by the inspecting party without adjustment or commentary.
7:35:29
